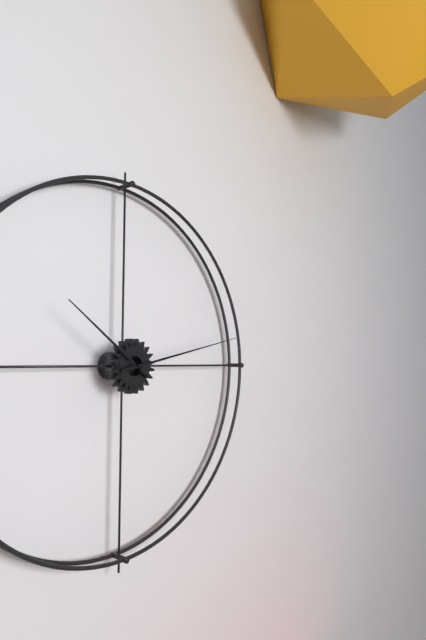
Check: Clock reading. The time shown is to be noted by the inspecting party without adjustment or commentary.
10:13
